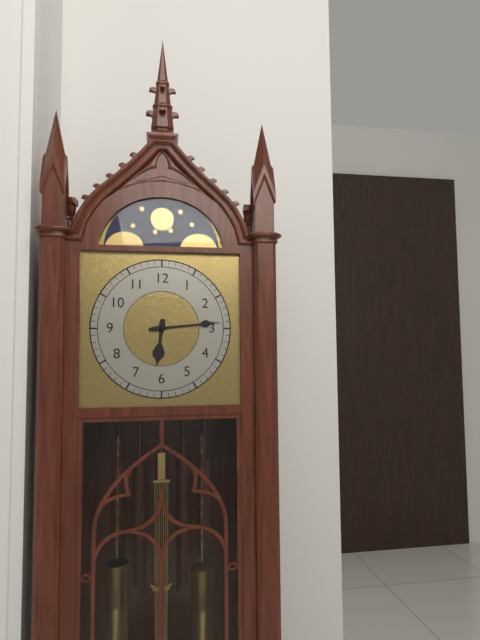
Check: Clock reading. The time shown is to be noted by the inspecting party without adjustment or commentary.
6:14
